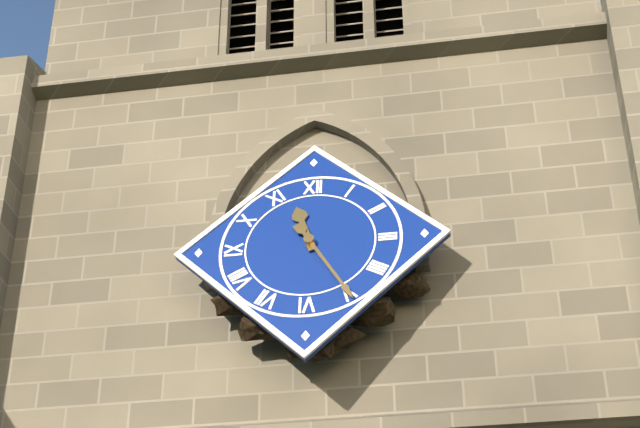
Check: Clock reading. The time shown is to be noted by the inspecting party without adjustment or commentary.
11:25
